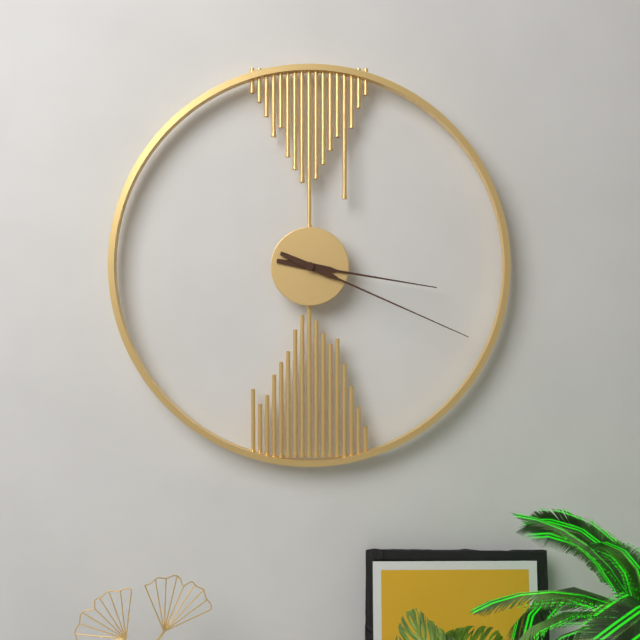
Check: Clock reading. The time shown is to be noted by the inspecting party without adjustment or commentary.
3:19
